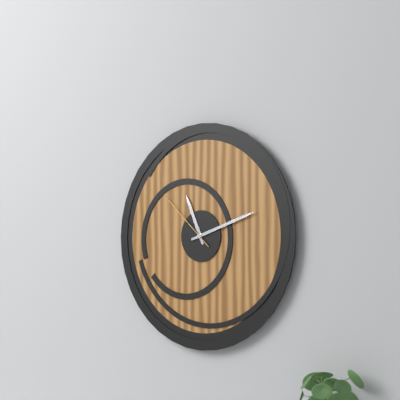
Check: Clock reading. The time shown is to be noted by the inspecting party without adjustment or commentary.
11:12:52
